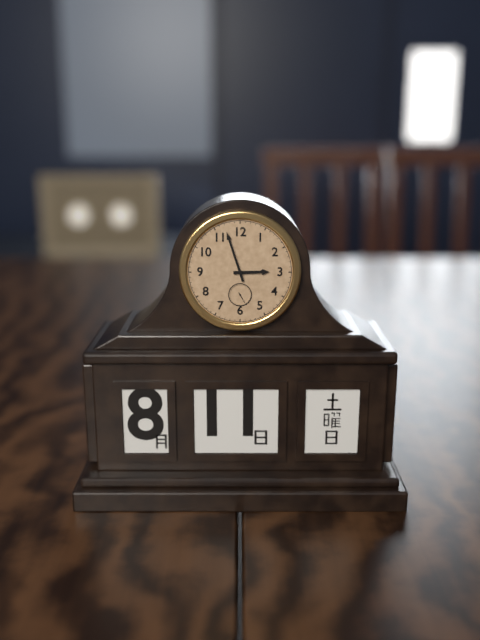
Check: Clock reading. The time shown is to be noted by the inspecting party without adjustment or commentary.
2:57
